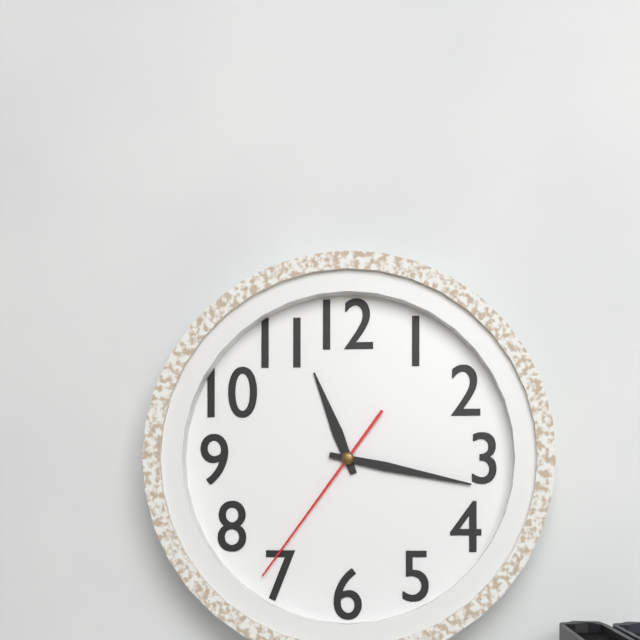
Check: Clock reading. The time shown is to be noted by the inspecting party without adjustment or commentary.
11:17:36
